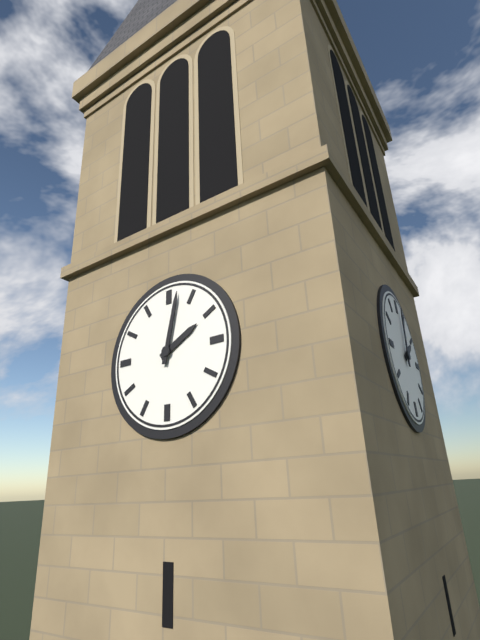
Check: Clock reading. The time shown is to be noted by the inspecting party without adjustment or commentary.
2:02
